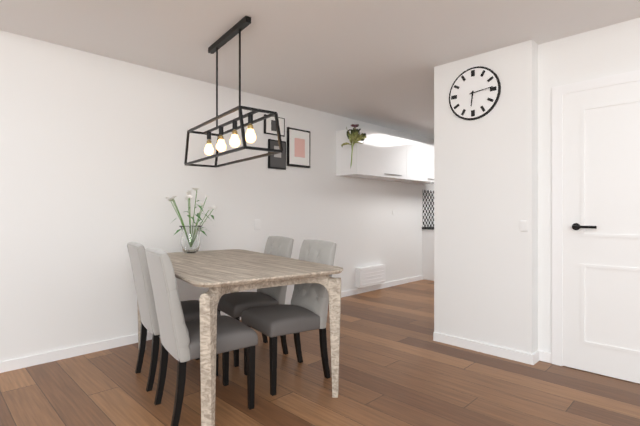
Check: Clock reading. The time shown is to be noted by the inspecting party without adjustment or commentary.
6:14
